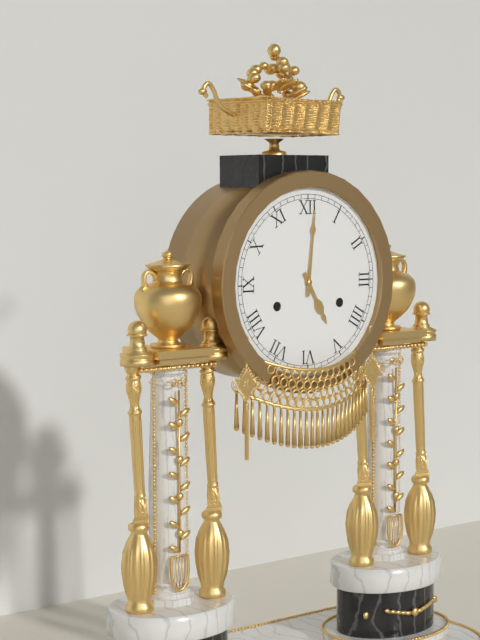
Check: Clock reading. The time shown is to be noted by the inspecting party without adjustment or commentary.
5:01
